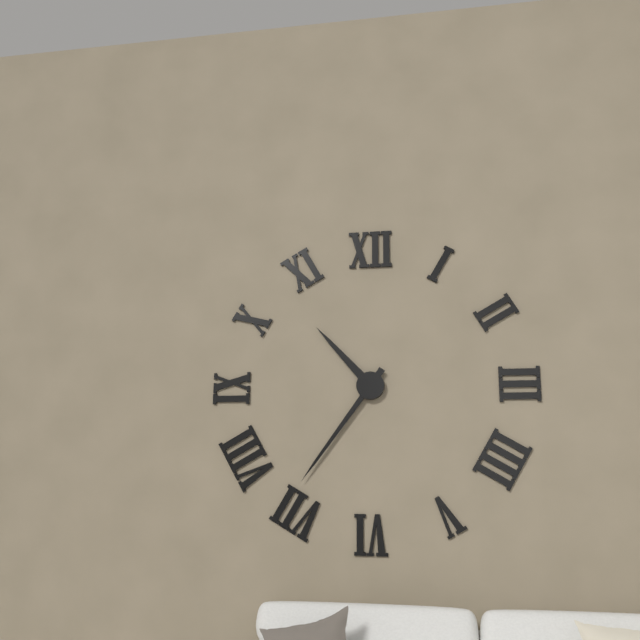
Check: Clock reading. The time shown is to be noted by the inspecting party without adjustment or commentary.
10:36
